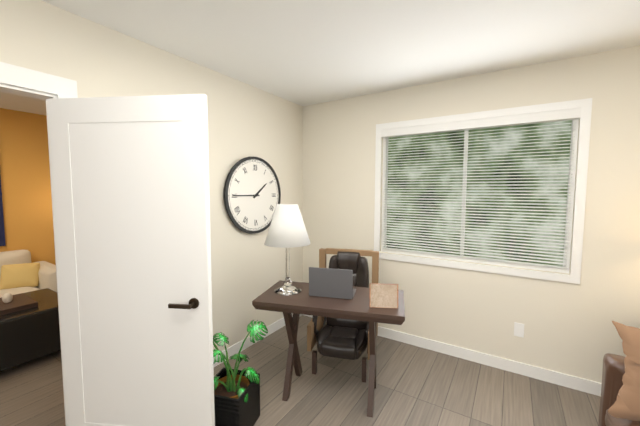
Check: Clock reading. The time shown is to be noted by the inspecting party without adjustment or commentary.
1:45
